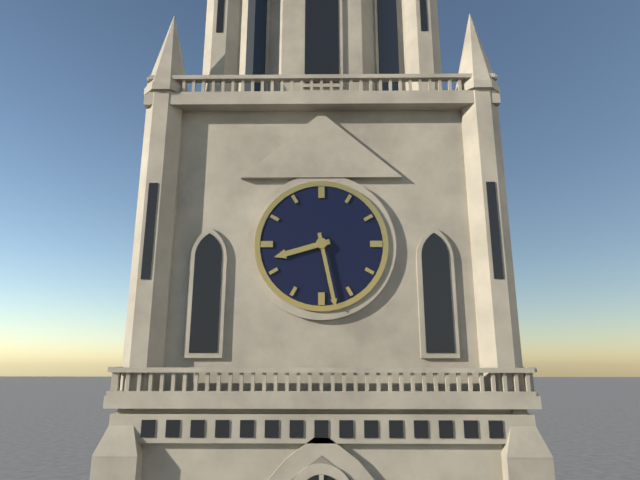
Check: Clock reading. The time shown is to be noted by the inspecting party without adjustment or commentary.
8:28
